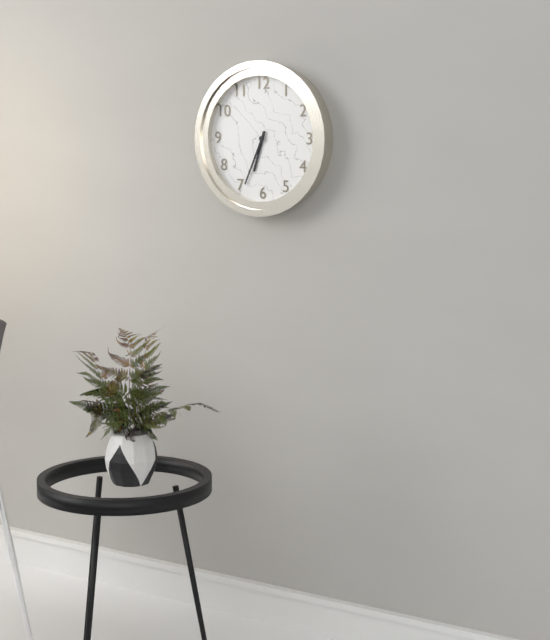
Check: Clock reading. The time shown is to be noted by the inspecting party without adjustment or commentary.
6:34
